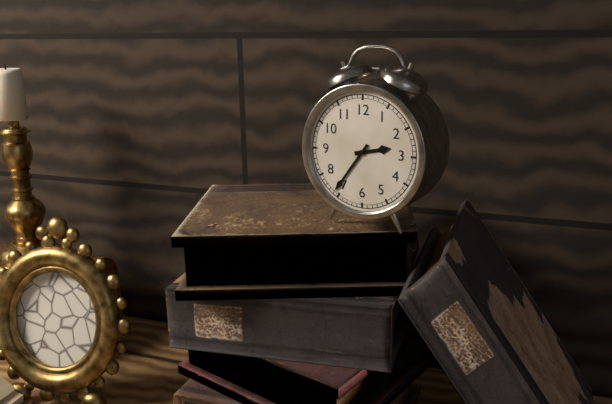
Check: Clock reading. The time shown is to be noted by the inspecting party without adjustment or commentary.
2:36
